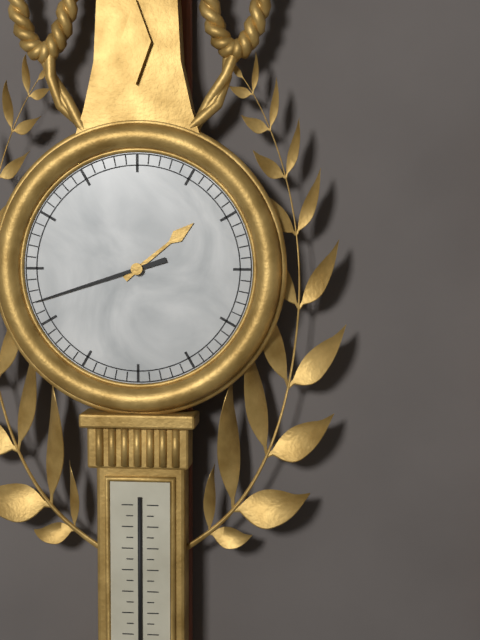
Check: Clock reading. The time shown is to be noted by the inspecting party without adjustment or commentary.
1:42
